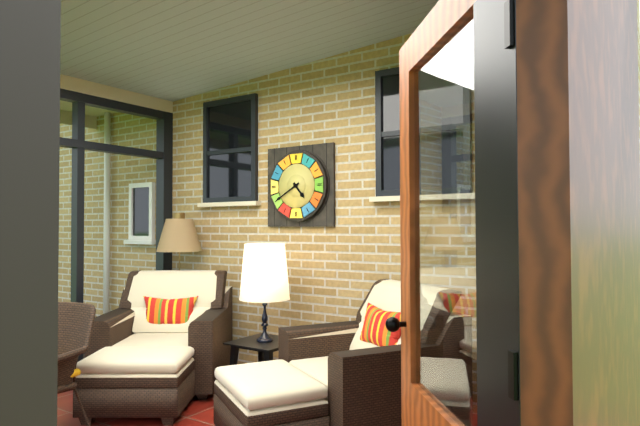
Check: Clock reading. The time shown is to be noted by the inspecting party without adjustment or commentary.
4:40
